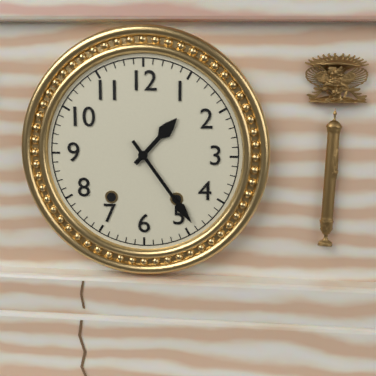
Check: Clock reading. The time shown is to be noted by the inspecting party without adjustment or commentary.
1:24
